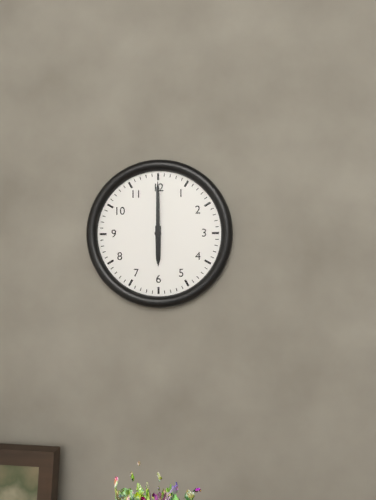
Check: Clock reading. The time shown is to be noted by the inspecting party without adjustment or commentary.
6:00
